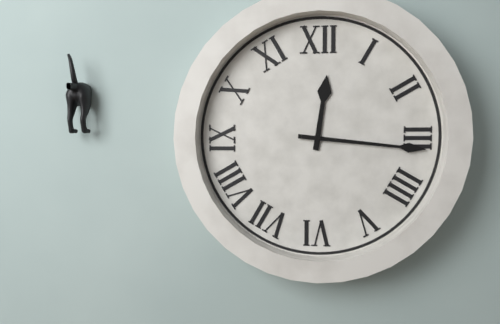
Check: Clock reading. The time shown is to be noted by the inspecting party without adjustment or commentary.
12:16
